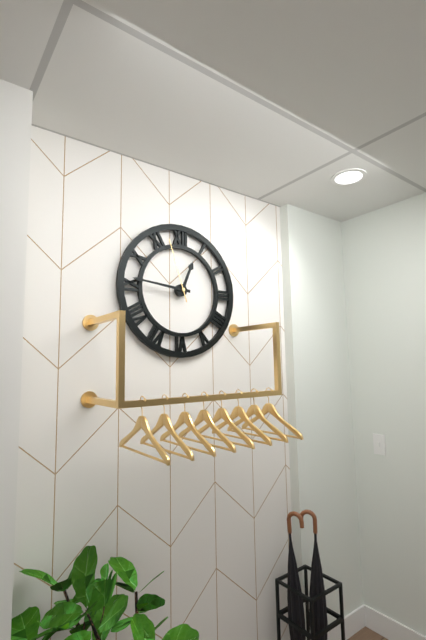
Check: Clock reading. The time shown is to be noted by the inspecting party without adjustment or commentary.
12:46:57
